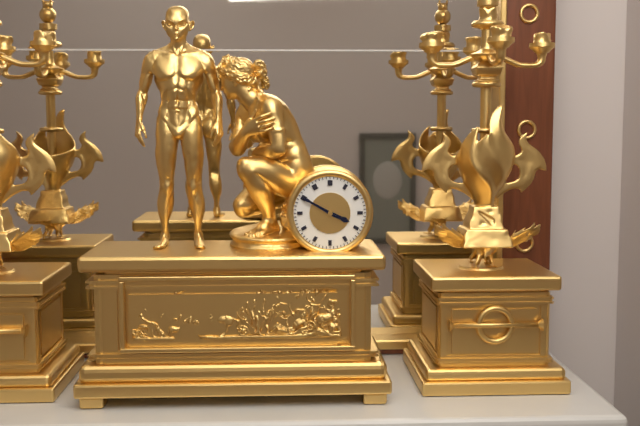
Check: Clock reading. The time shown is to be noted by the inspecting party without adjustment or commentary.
3:50
